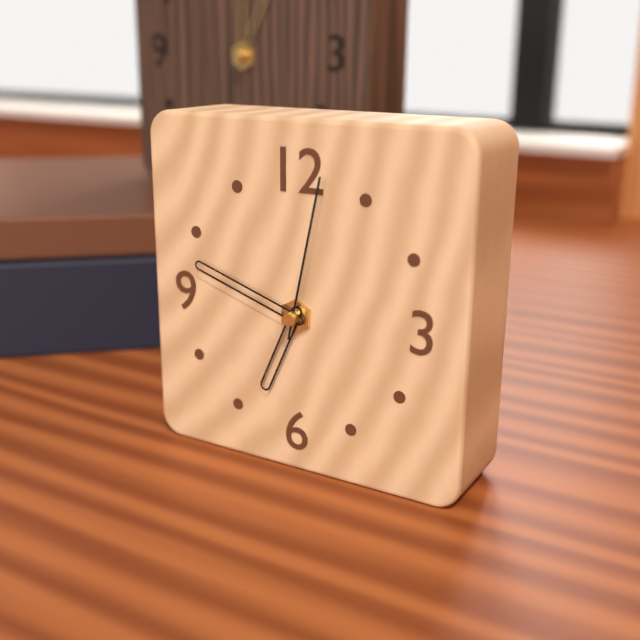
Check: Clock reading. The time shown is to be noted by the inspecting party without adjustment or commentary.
6:48:02
